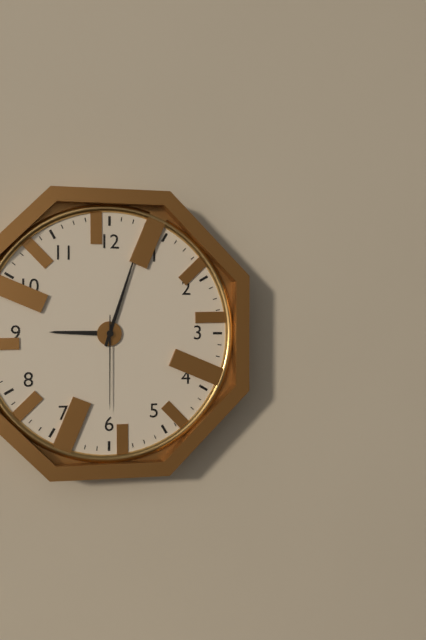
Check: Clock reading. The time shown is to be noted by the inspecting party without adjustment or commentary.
9:03:30
